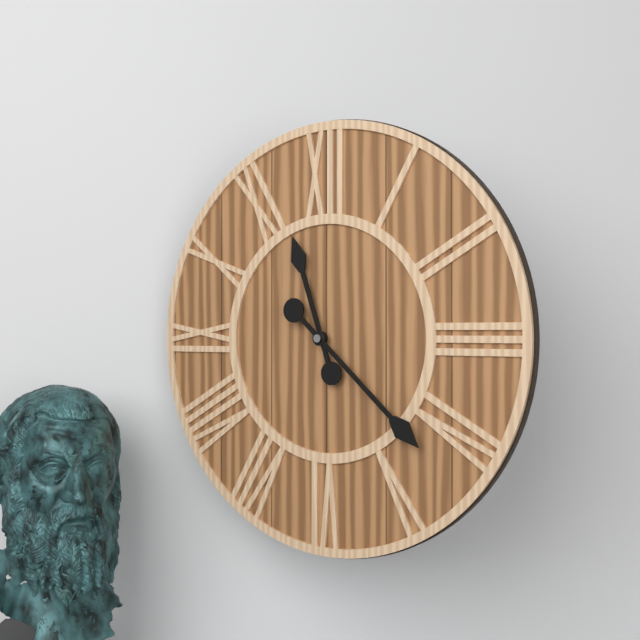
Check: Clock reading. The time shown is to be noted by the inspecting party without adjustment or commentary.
11:22
